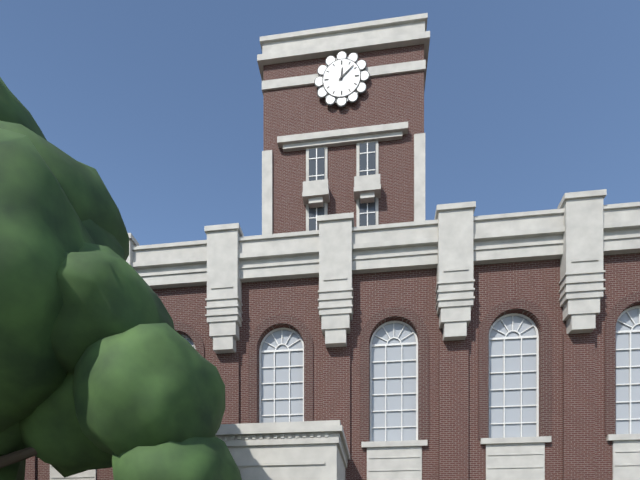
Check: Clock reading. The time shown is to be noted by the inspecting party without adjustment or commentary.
12:08
